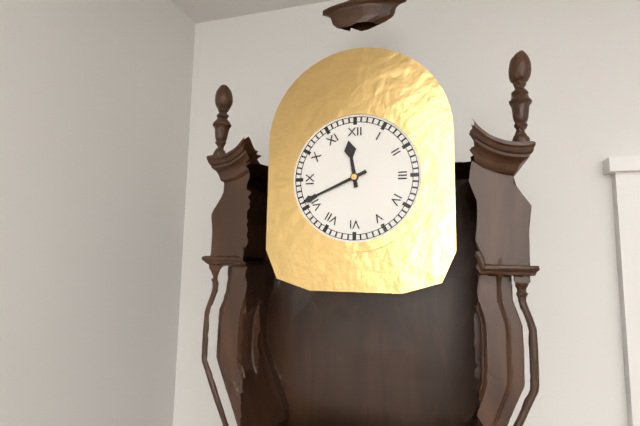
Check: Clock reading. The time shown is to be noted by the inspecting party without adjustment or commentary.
11:41
